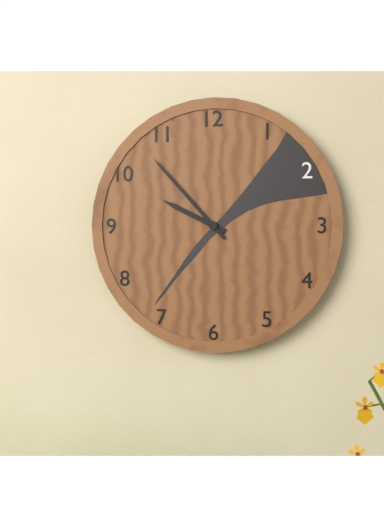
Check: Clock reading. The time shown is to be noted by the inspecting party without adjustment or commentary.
9:53
